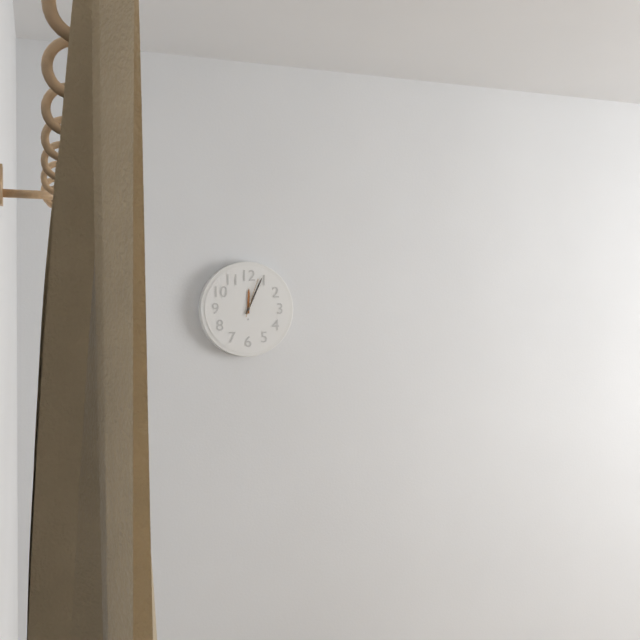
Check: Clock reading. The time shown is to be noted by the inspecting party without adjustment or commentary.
12:04
